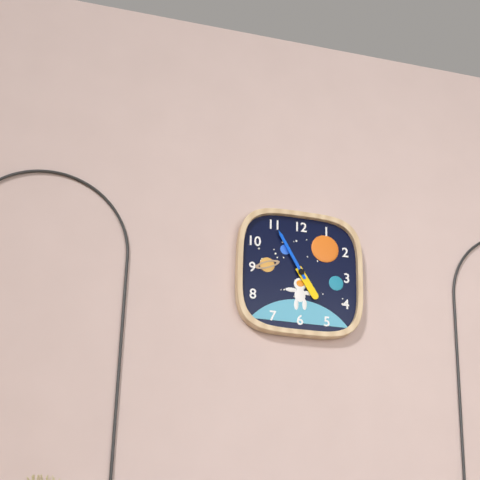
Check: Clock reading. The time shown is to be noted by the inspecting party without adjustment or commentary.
4:55
